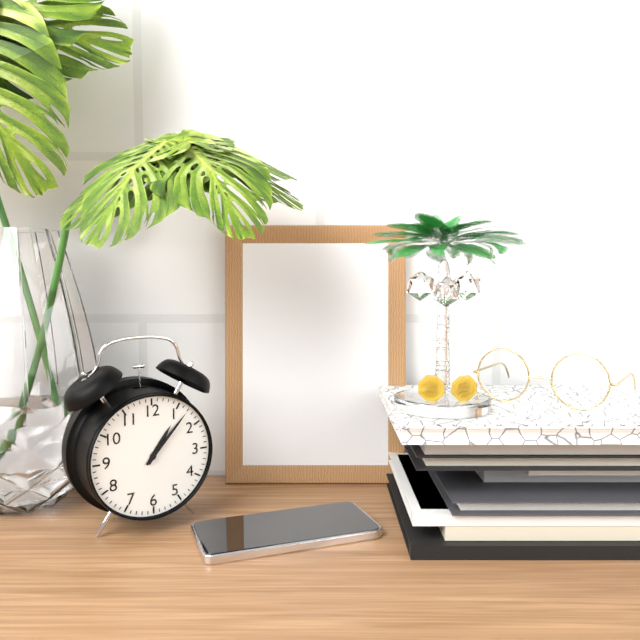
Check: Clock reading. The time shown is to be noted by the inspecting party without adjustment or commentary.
1:07
